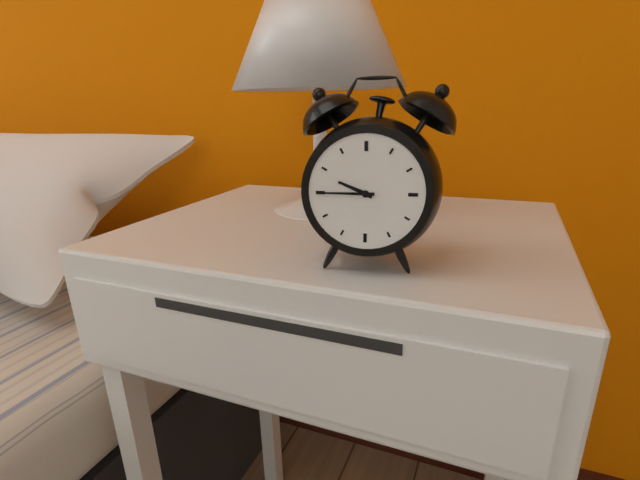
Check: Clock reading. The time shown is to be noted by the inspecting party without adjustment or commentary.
9:45
